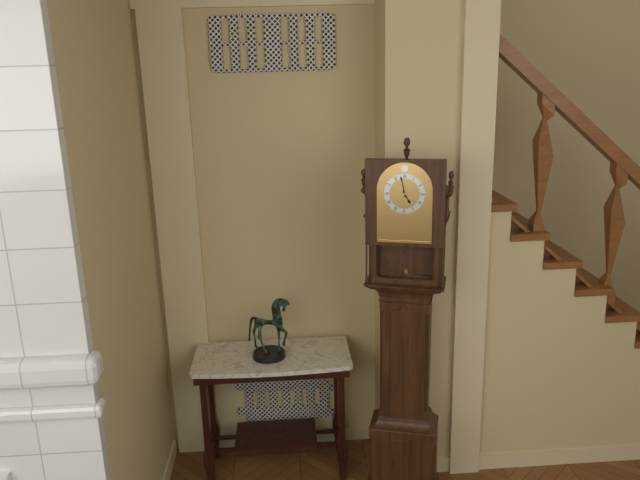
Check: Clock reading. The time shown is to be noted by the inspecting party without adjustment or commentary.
4:58
